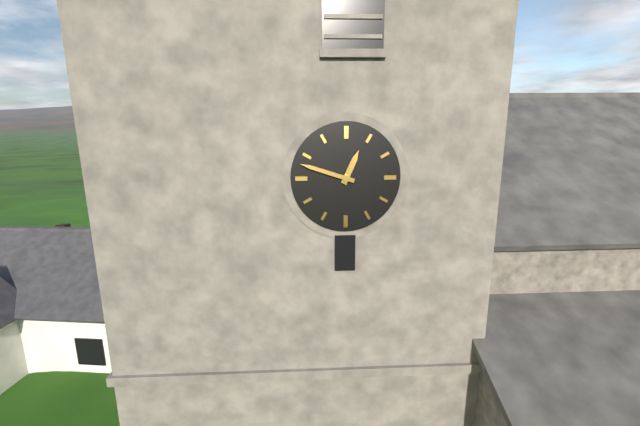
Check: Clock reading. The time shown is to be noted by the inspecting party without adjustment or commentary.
12:48
